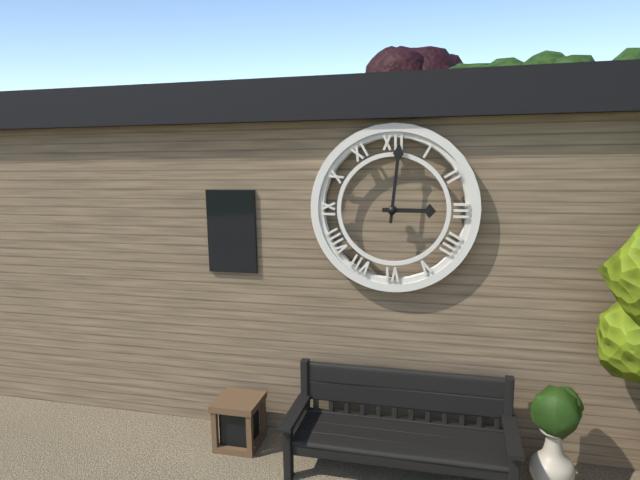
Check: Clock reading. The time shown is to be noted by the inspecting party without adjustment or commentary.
3:01
